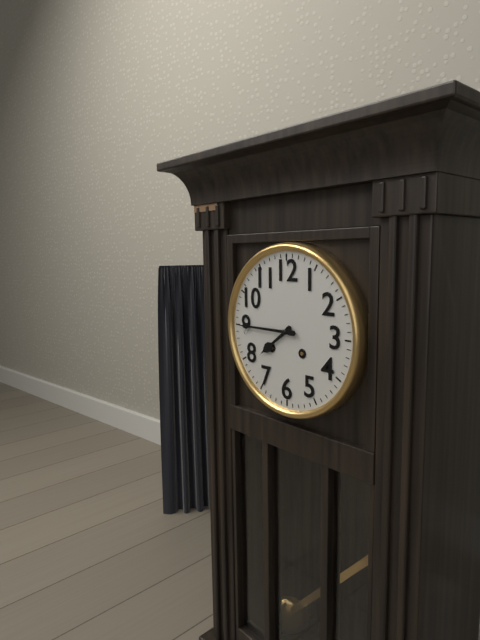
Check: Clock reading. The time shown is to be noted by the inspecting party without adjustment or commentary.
7:45
